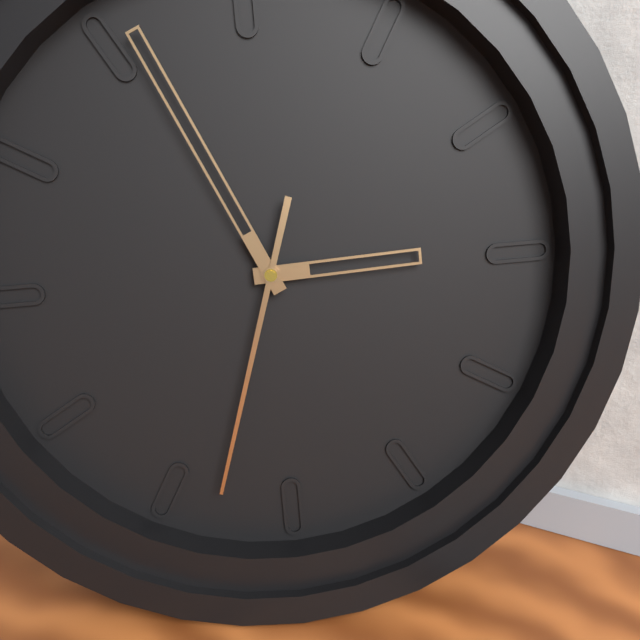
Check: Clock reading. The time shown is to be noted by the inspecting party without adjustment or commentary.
2:56:33
